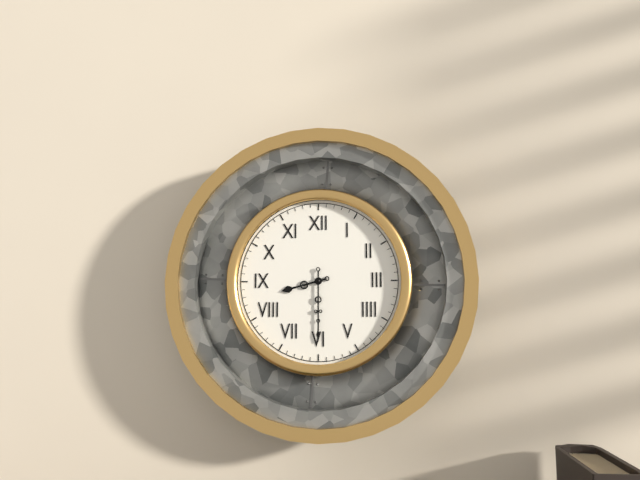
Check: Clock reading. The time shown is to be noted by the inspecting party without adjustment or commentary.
8:30
